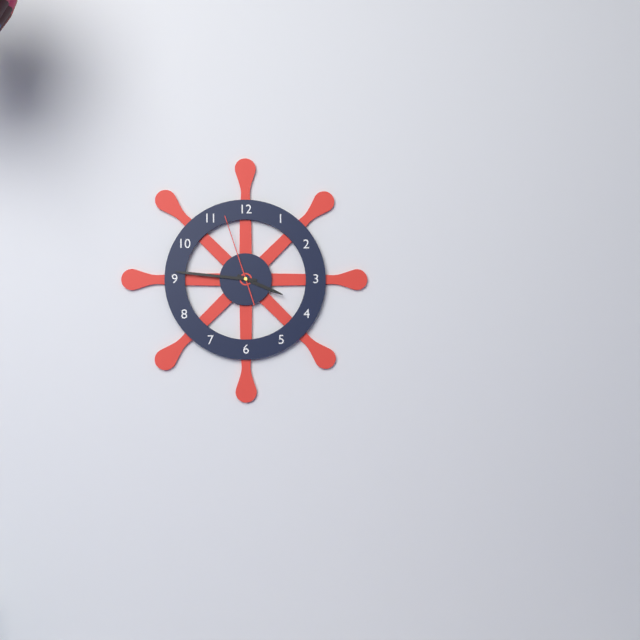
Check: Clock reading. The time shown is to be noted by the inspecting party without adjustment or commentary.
3:46:57
